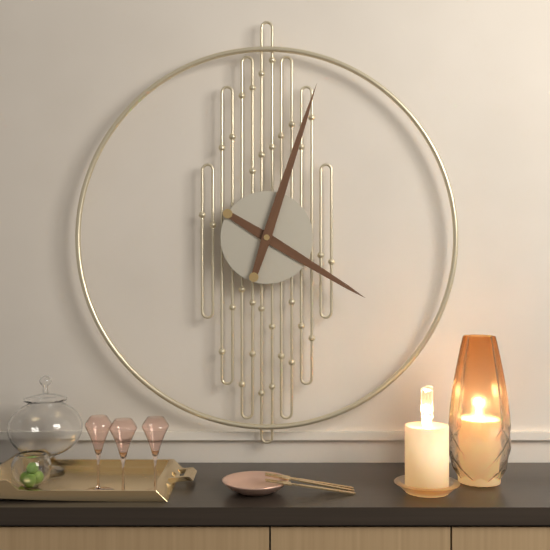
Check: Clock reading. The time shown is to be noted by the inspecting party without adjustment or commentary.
4:03
